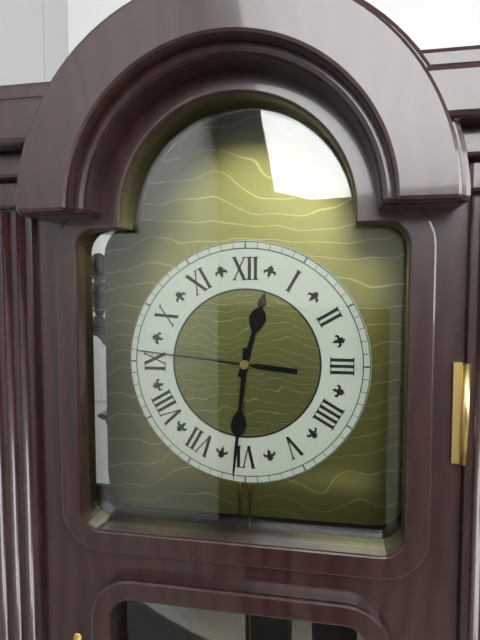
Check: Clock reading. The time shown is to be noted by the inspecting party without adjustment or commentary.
12:31:46
